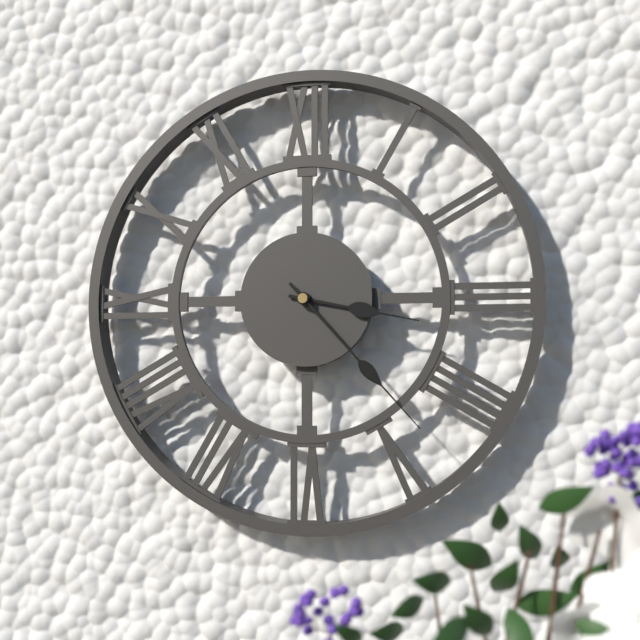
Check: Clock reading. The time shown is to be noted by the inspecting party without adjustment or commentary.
3:23
